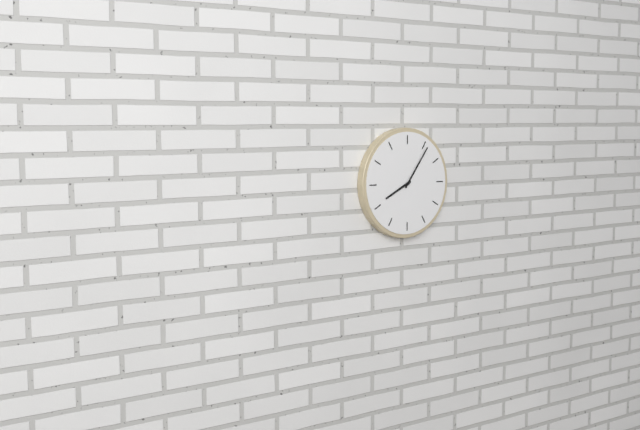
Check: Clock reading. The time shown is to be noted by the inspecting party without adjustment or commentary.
8:06
